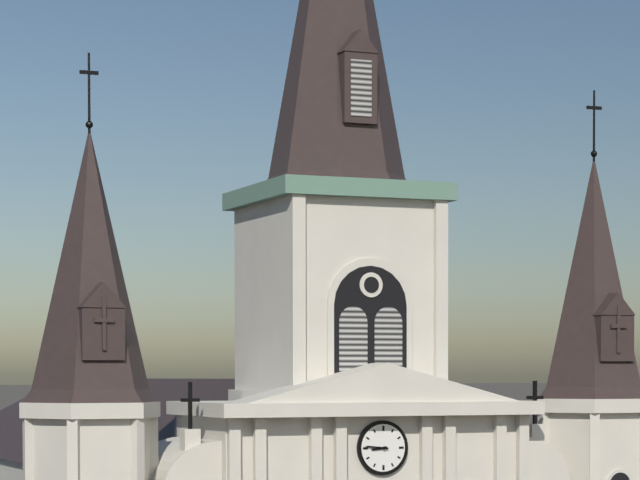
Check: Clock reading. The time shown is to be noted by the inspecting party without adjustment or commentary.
8:46
